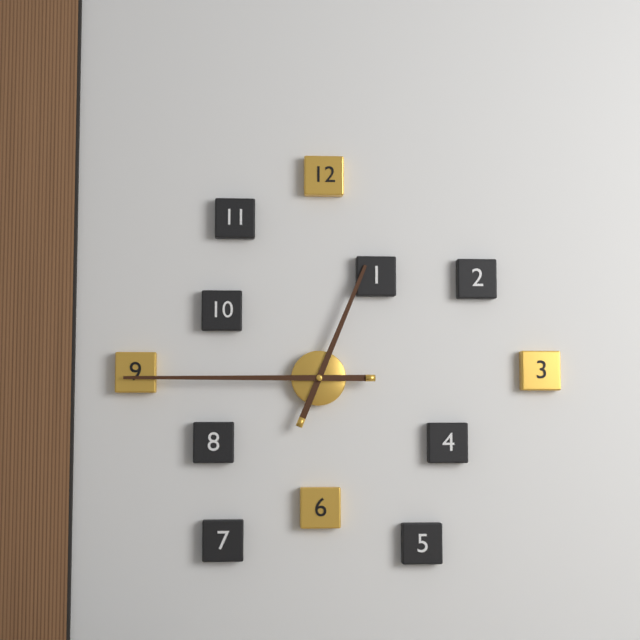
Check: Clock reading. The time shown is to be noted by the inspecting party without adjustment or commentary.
12:45
